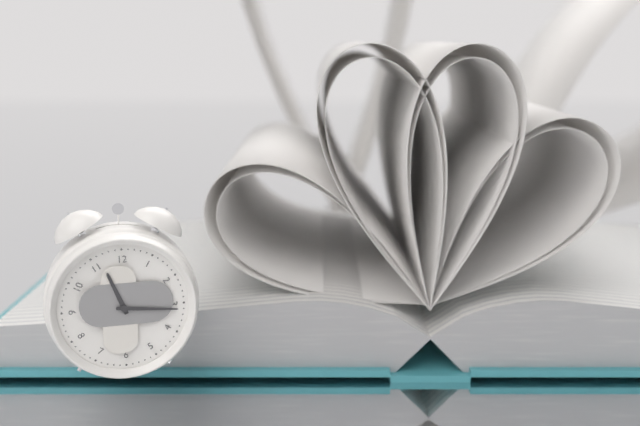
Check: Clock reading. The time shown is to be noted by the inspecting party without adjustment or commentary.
11:16
